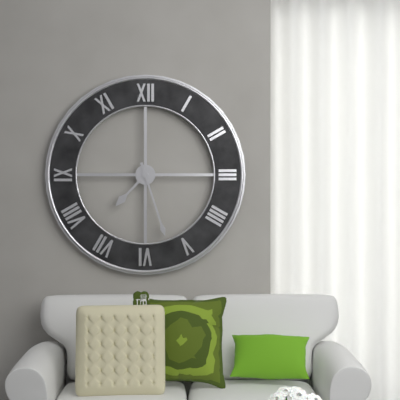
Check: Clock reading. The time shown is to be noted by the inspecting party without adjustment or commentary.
7:27
